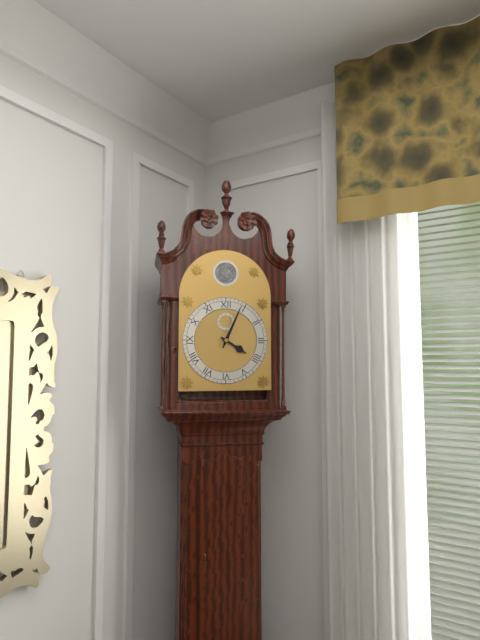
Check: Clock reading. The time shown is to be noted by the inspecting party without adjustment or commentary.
4:04
